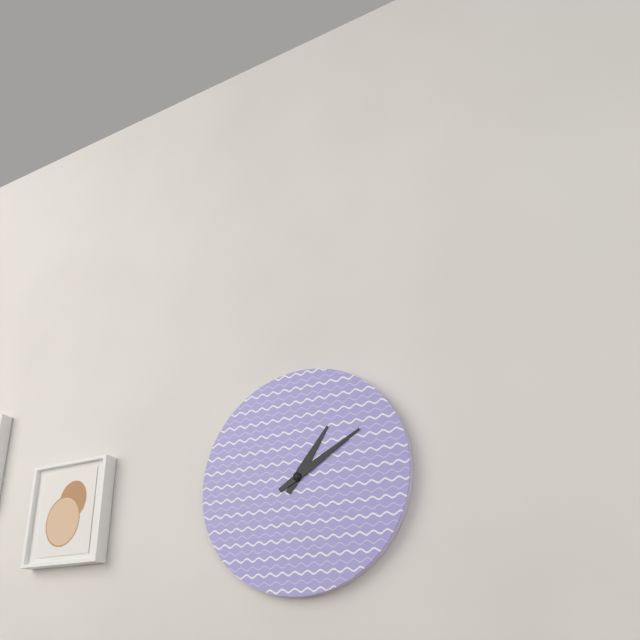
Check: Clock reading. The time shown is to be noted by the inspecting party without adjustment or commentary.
1:10
